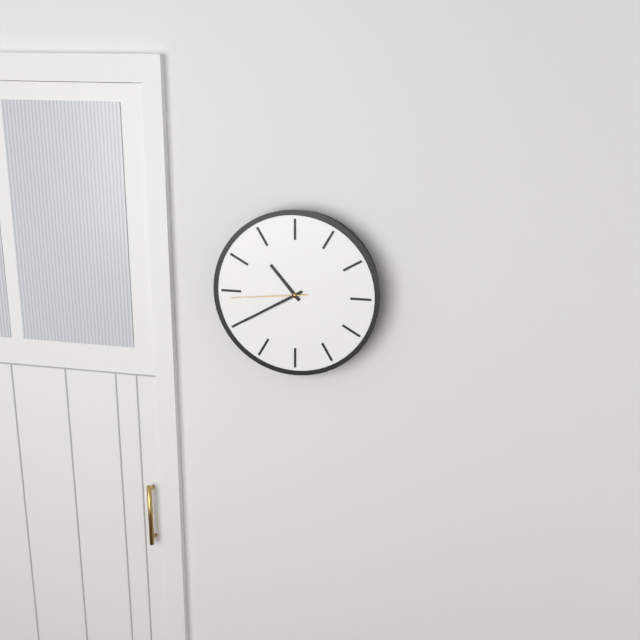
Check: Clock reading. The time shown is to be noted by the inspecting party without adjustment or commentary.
10:40:44
